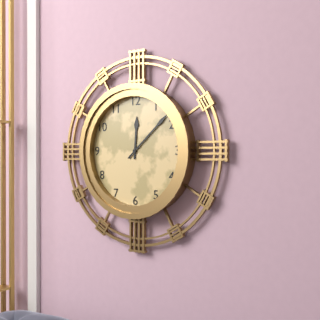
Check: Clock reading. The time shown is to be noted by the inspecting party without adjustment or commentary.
12:08
